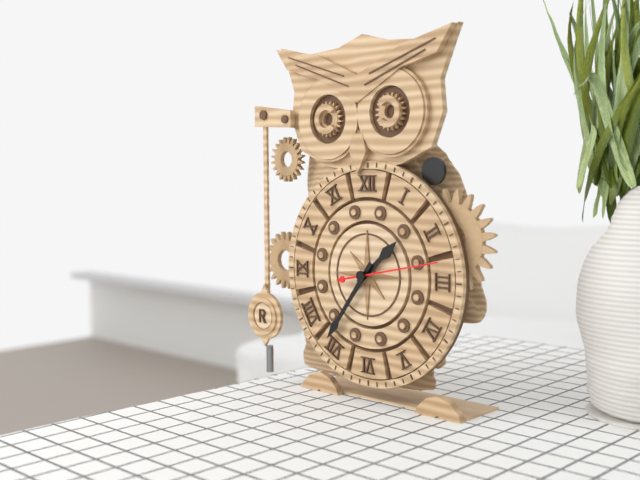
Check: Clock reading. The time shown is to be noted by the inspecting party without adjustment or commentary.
1:36:13
